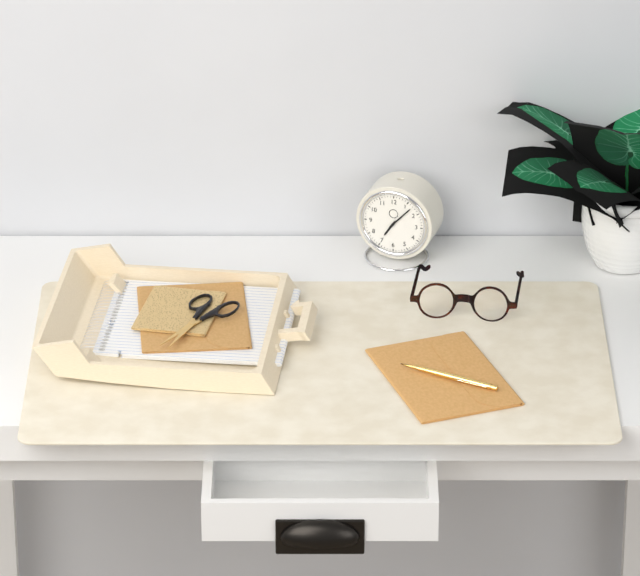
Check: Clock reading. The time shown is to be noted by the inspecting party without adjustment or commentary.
7:07
